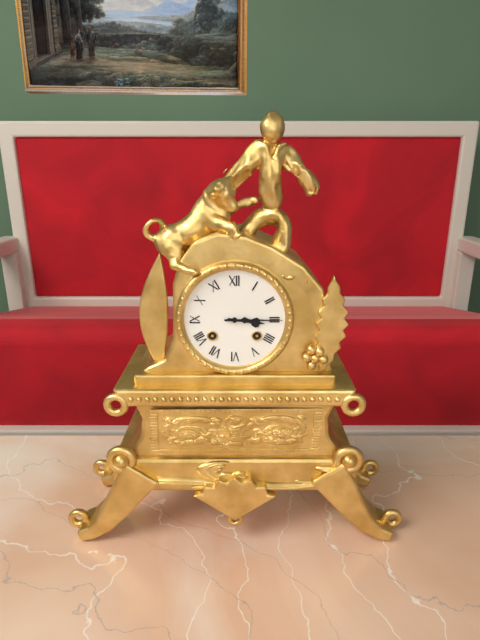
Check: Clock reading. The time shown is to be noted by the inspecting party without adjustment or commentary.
3:15
